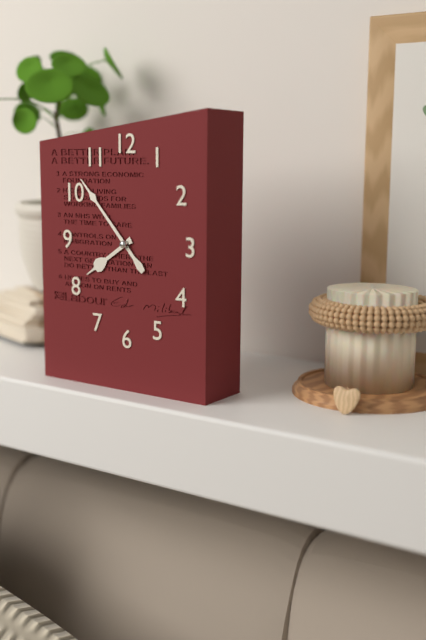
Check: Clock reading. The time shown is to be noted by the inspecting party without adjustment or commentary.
7:53
